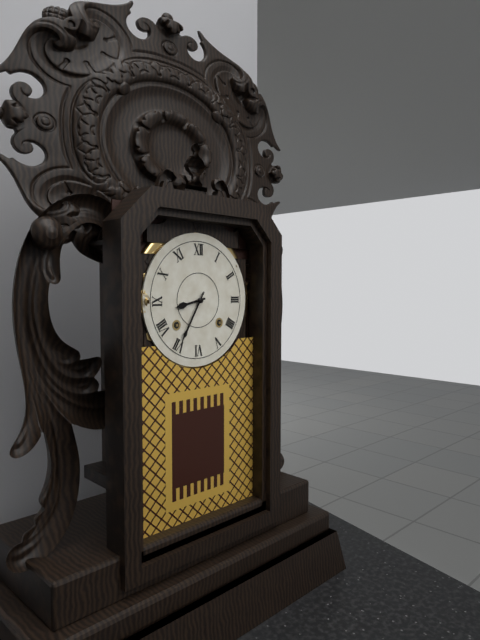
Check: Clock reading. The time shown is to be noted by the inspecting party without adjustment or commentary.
8:35
